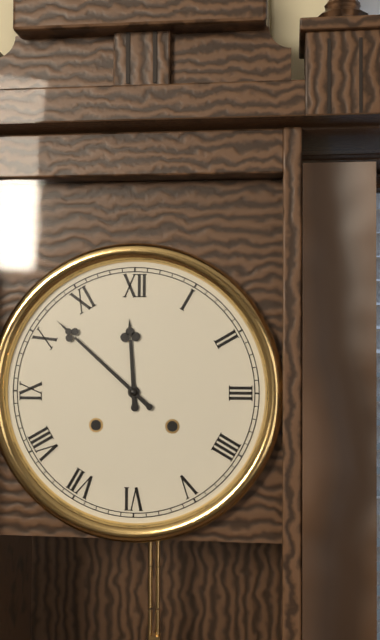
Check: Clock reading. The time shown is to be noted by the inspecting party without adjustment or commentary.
11:52
